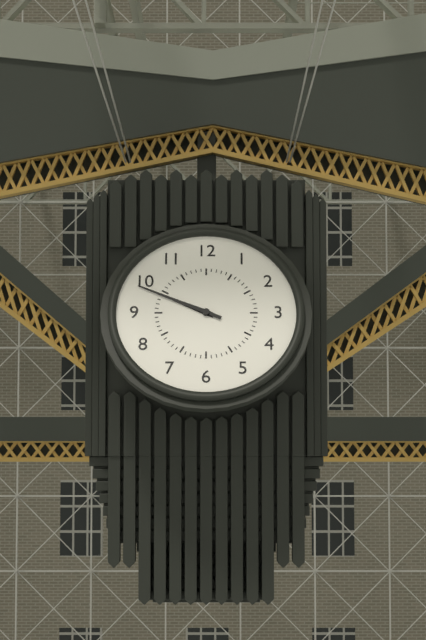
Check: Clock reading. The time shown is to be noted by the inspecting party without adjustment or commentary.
9:49
